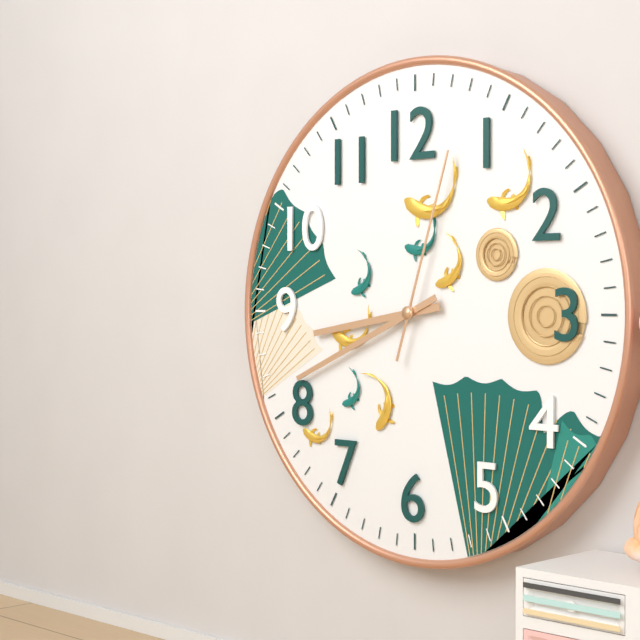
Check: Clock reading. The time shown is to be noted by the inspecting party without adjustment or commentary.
8:41:03
